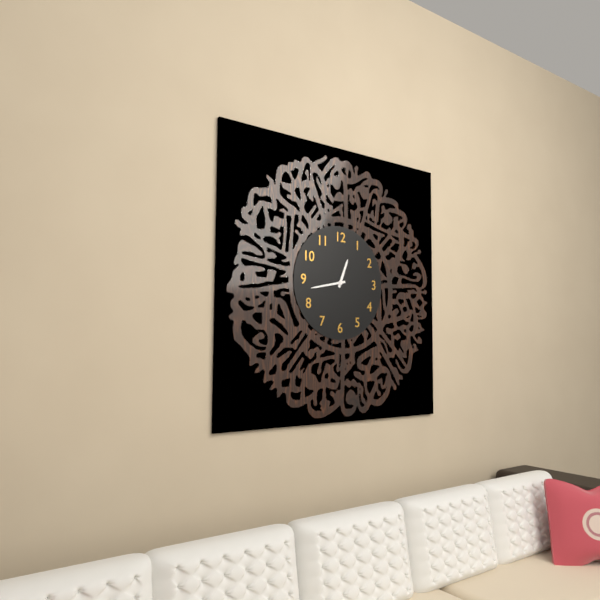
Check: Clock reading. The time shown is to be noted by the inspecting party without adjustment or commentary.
12:43
